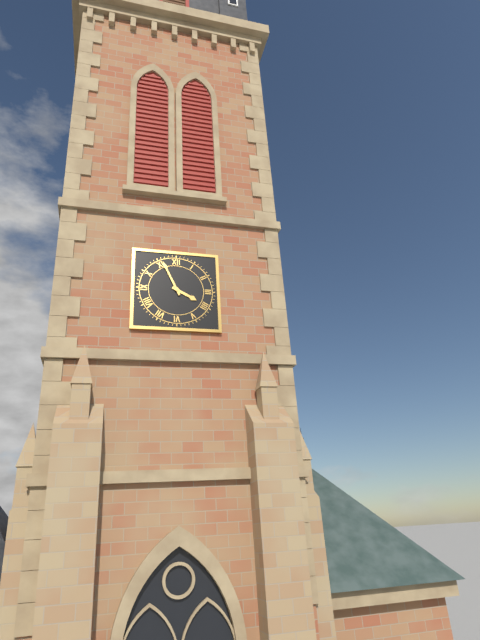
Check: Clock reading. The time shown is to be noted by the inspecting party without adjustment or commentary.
3:56
